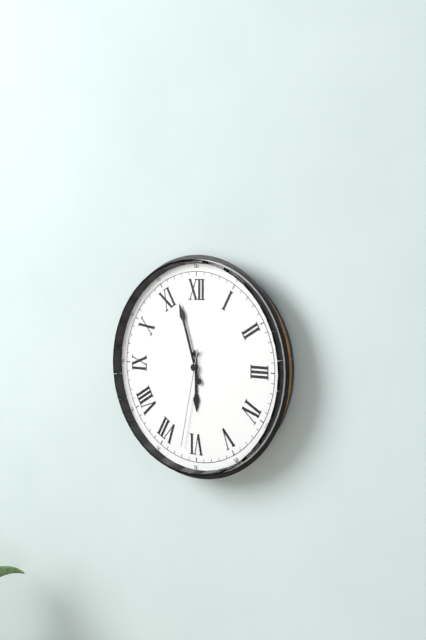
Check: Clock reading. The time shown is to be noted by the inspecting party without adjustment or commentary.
5:57:32
